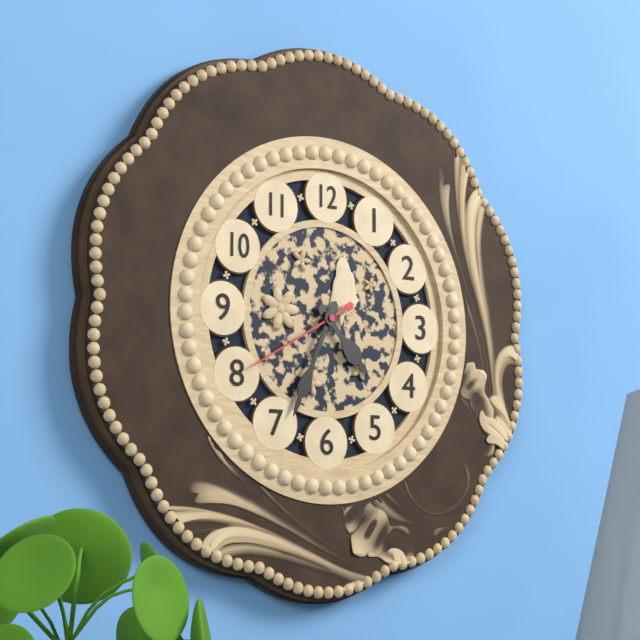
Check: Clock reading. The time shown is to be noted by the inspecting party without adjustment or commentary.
4:34:40
